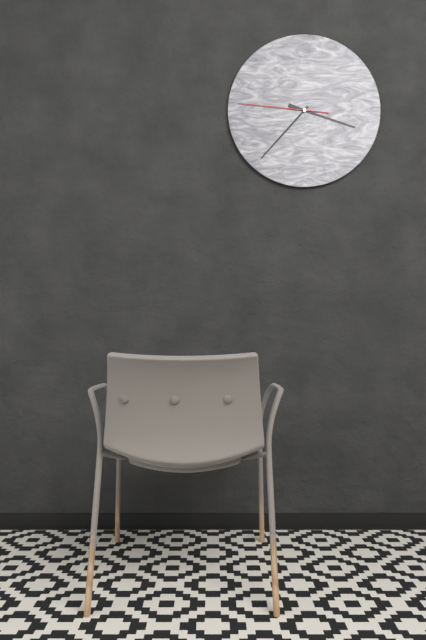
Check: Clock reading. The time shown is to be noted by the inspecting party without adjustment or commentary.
3:37:46
